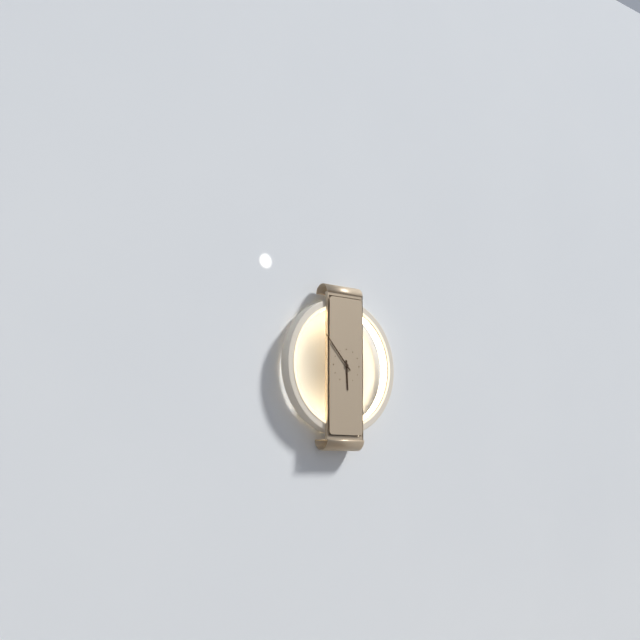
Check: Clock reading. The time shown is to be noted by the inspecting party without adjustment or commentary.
5:53
